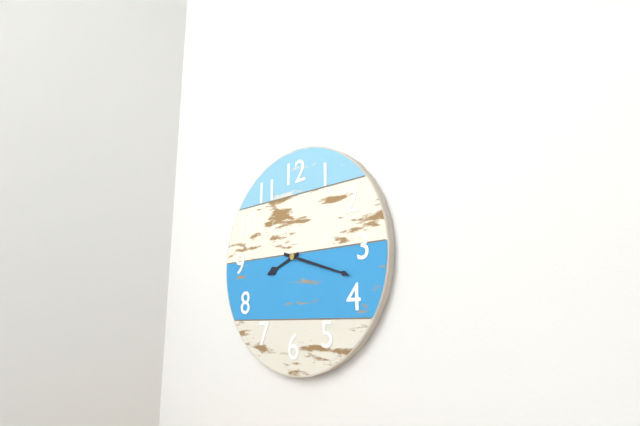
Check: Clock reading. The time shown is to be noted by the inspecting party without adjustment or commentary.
8:18
